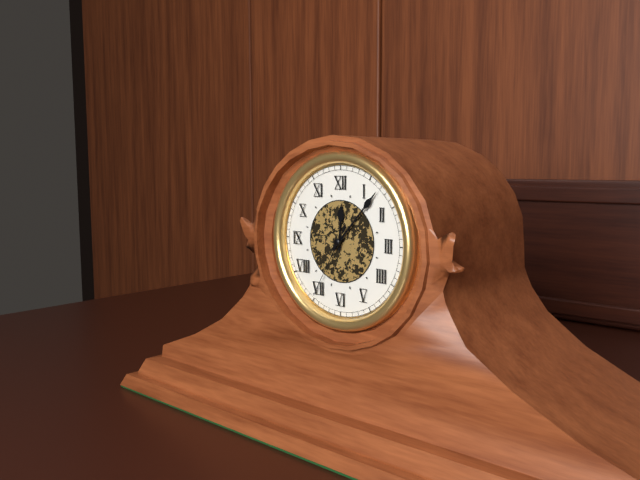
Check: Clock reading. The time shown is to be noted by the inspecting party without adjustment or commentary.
12:07:35
